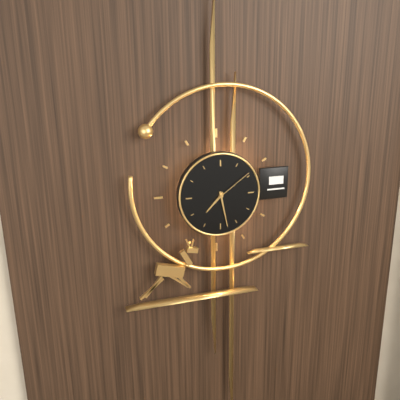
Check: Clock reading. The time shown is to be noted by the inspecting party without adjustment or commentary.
7:28
